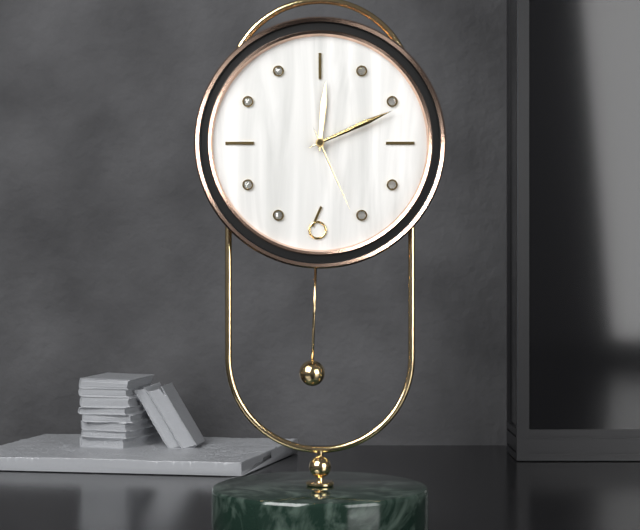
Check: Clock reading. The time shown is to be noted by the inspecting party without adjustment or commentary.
12:11:26
